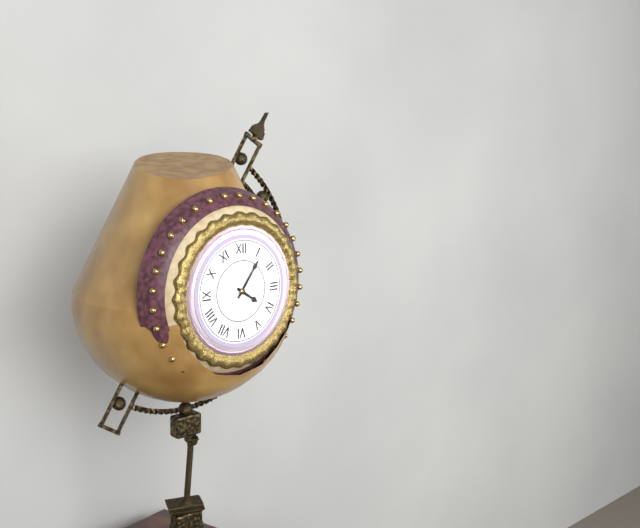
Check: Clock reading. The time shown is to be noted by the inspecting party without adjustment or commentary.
4:06
